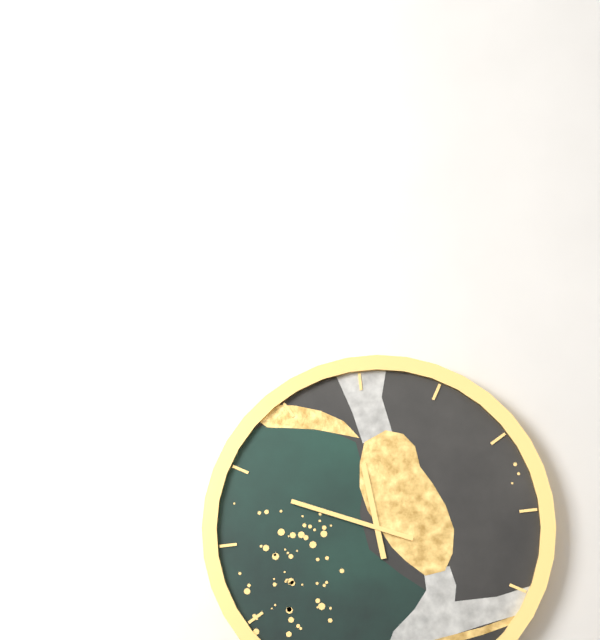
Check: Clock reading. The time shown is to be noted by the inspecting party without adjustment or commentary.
11:49
